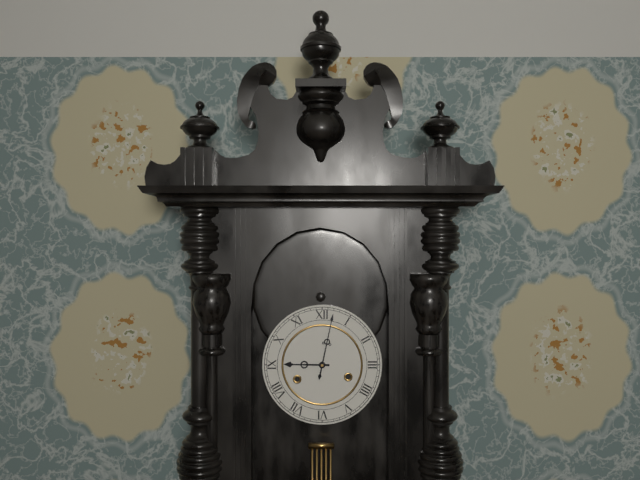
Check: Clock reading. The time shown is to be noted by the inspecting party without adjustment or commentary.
9:02
